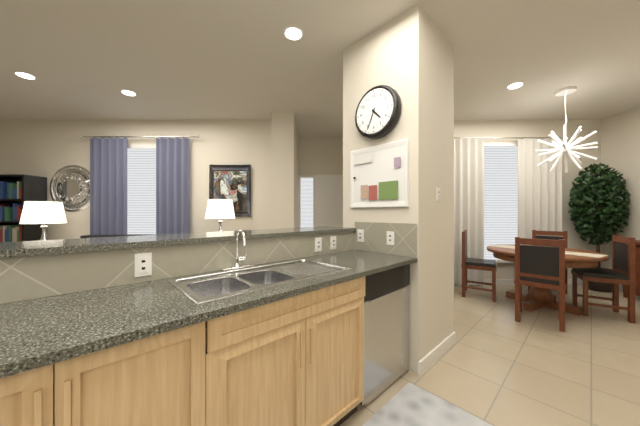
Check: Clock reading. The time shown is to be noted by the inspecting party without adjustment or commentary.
4:34
